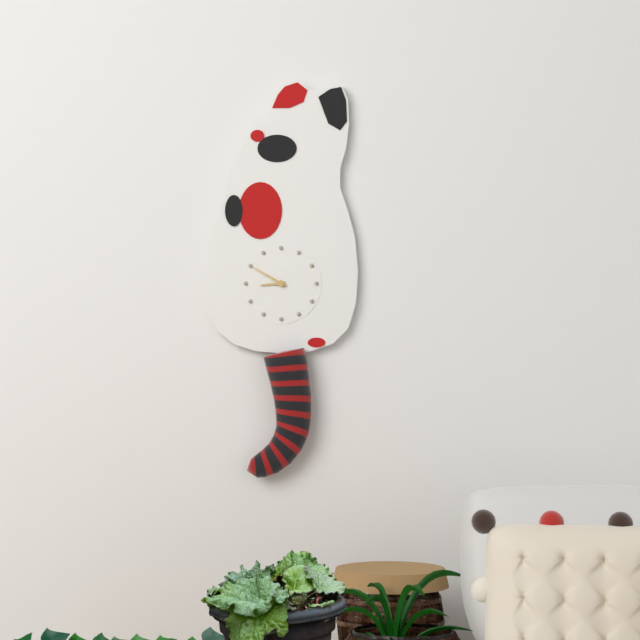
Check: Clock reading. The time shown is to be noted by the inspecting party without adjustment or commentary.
8:50
